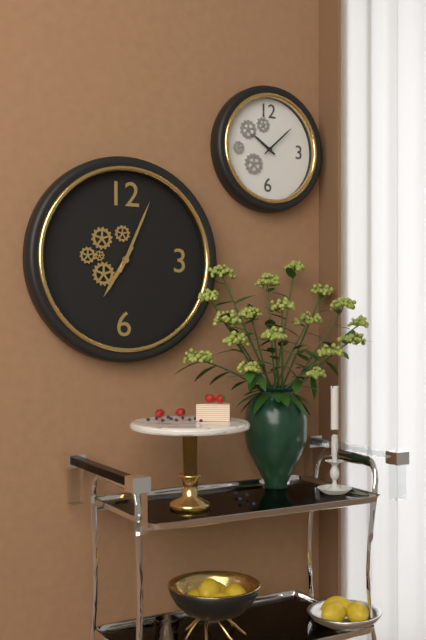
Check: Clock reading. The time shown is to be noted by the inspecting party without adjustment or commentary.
7:04
